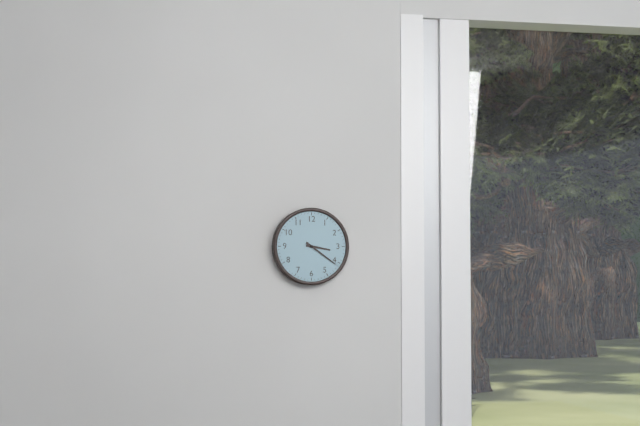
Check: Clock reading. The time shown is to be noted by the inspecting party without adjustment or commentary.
3:21
